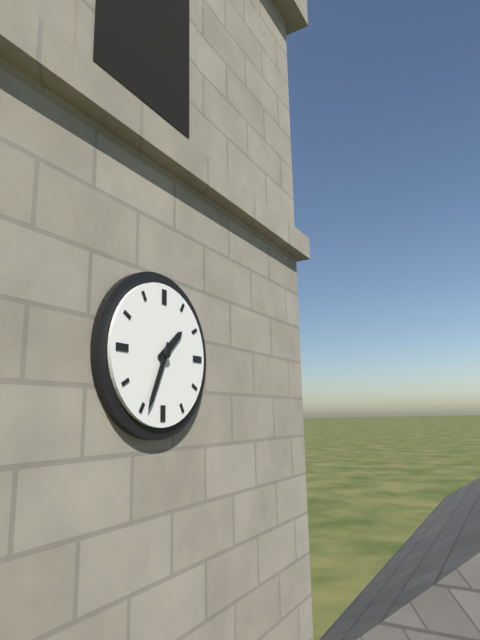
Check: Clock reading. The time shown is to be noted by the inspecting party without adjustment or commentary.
1:34
